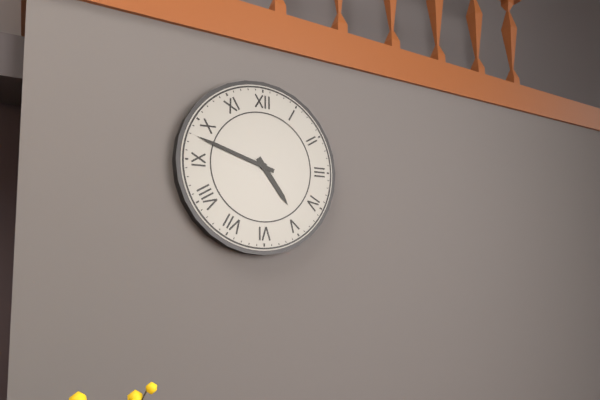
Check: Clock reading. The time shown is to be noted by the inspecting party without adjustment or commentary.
4:48
